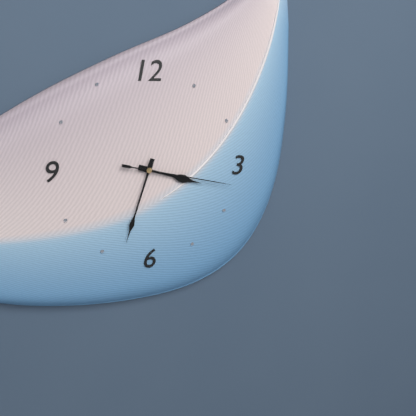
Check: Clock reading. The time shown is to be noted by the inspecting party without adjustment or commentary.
3:33:17
